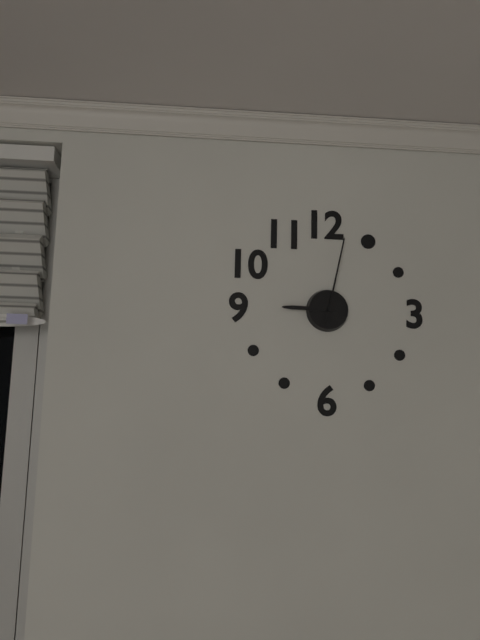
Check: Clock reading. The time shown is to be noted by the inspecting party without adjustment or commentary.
9:02
